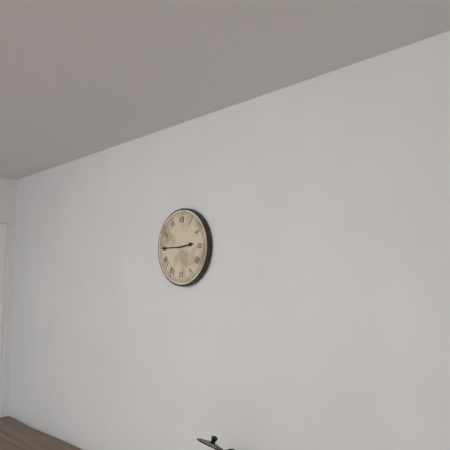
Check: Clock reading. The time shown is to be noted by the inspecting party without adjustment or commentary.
2:45
